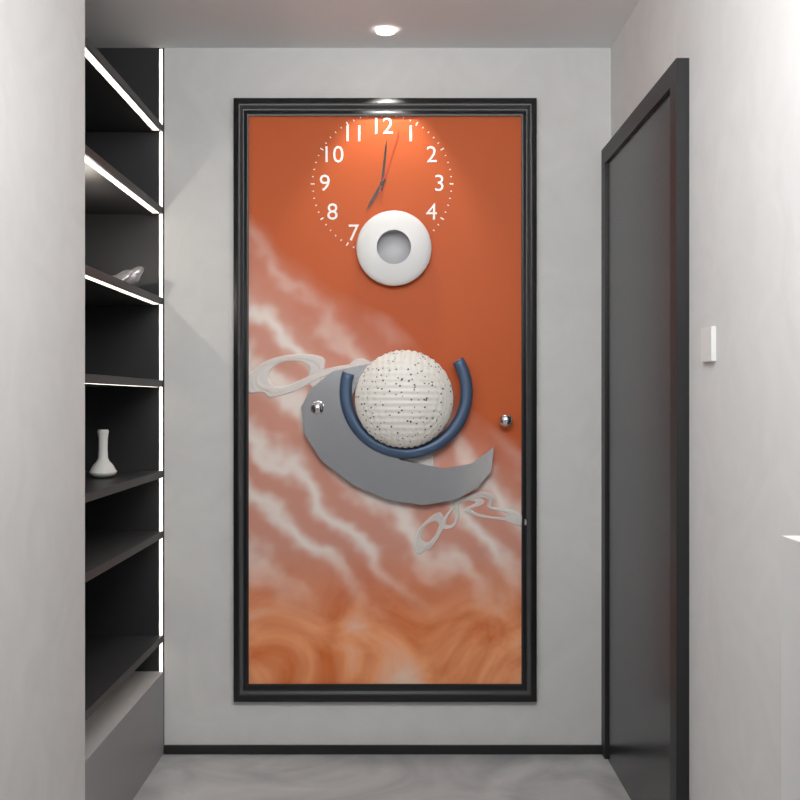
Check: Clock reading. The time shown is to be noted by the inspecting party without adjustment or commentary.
7:01:03
